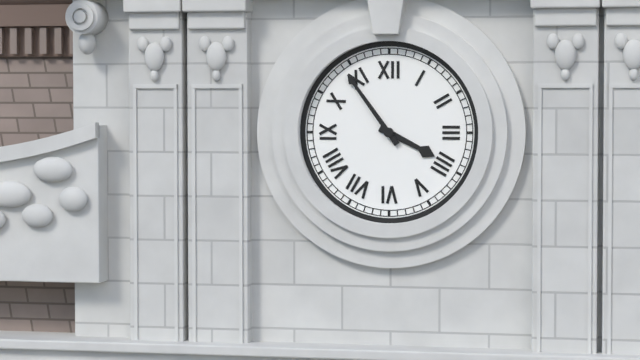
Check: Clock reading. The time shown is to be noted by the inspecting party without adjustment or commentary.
3:54
